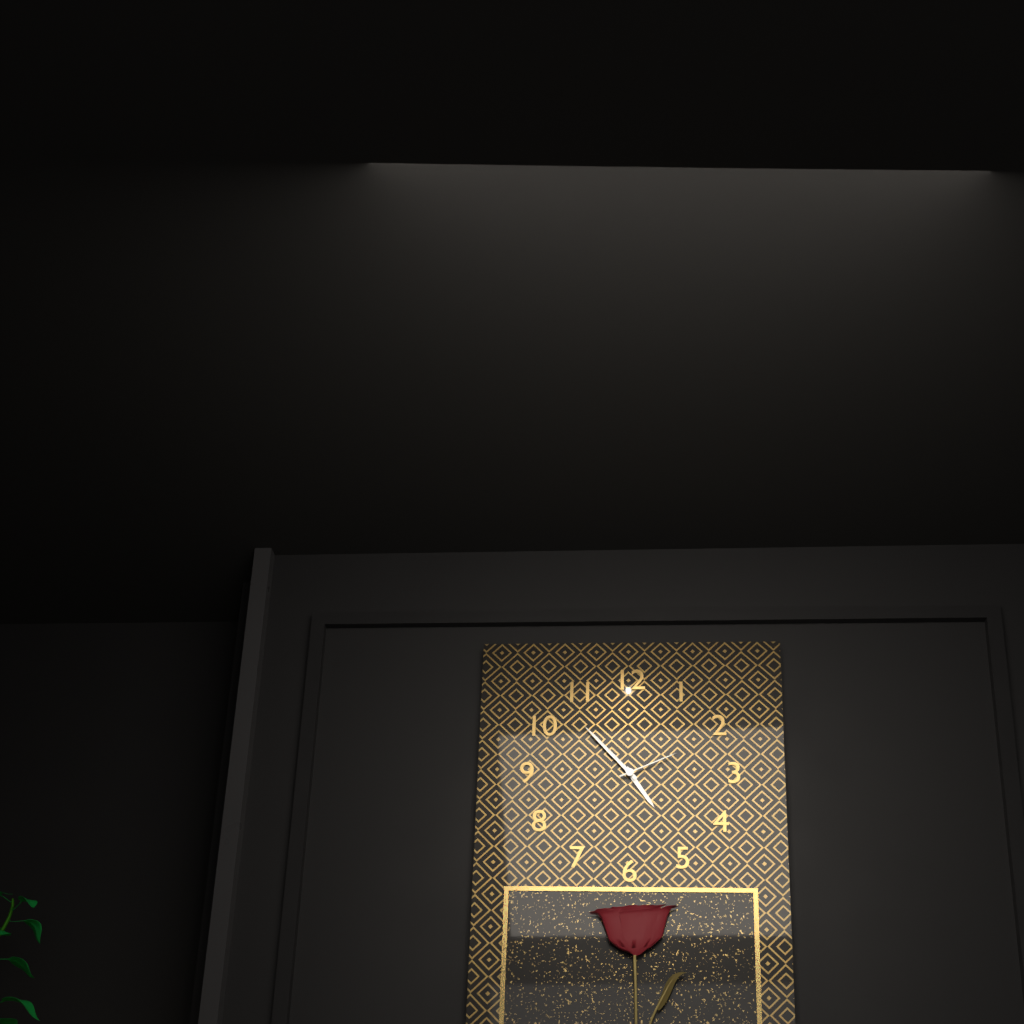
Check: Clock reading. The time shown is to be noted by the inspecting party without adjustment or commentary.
4:53:11
